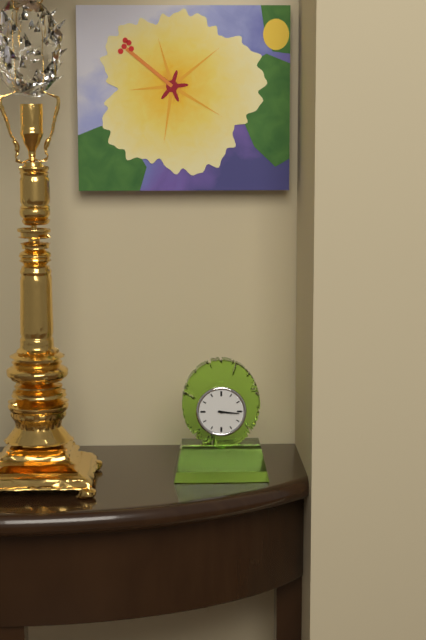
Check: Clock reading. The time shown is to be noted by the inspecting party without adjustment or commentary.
3:16
